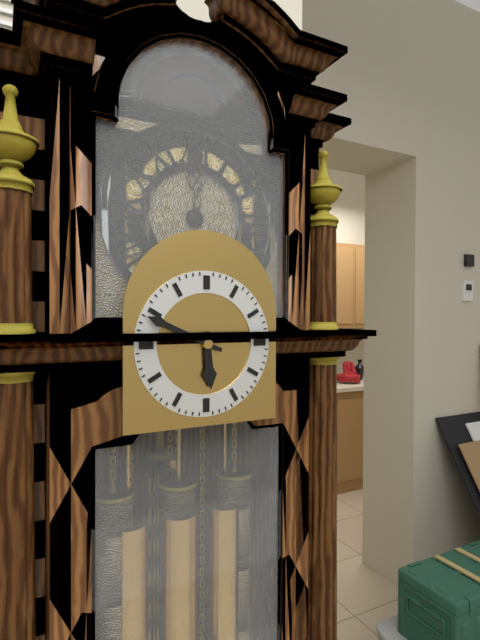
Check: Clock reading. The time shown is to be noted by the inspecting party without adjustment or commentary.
5:49
